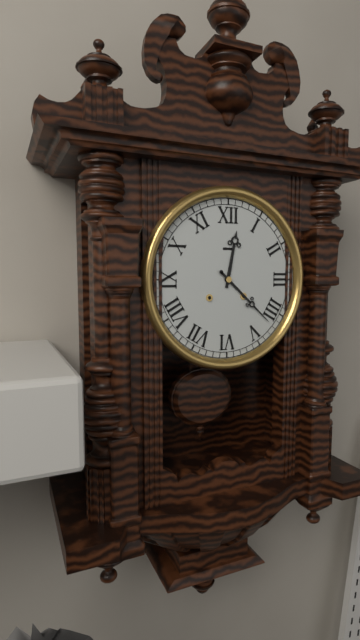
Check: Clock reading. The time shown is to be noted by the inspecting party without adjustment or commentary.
12:22
